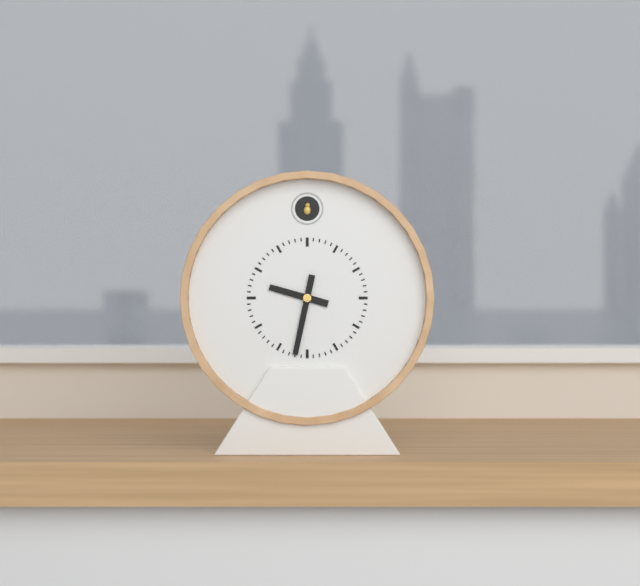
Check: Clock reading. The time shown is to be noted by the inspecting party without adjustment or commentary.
9:32
